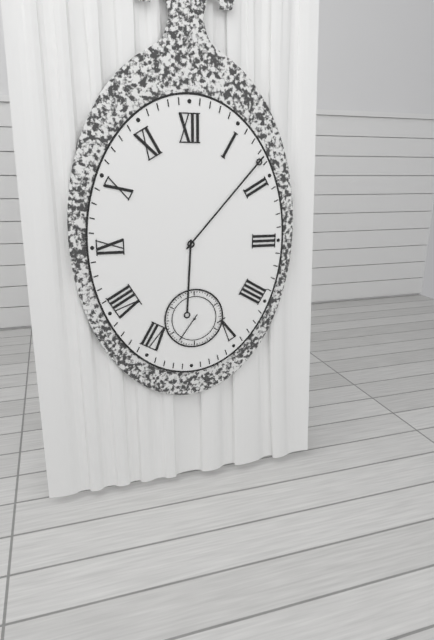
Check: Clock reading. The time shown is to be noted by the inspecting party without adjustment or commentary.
6:07
